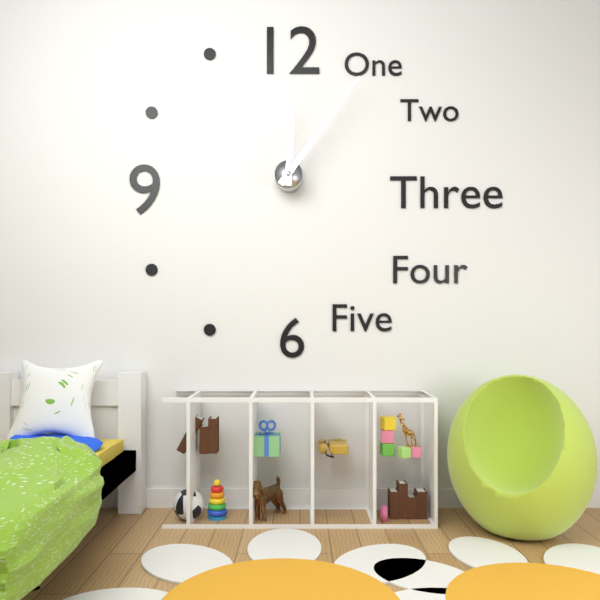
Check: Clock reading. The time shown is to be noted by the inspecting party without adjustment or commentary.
12:06
